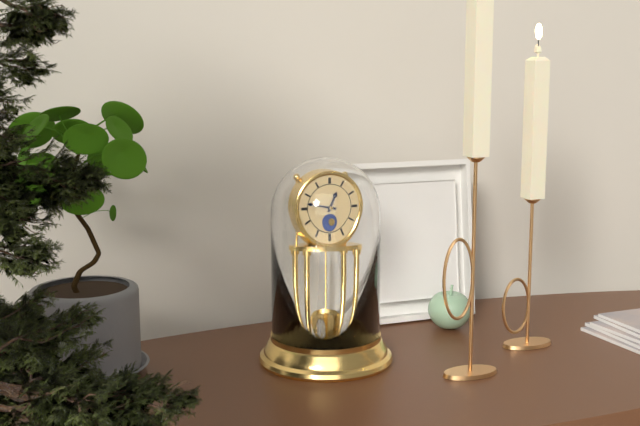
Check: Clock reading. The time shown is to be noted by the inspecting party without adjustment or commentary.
12:47
